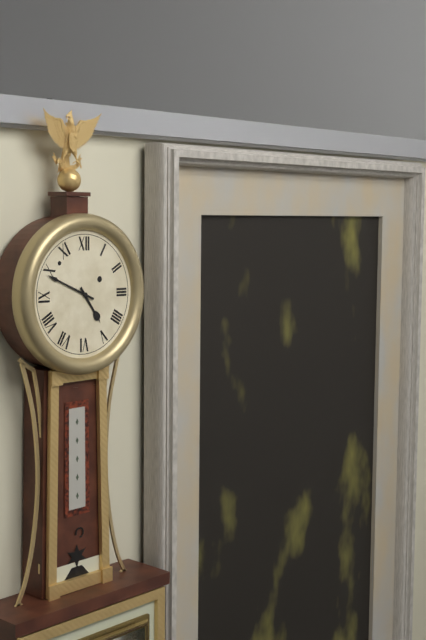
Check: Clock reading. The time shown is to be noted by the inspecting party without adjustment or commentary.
4:49
